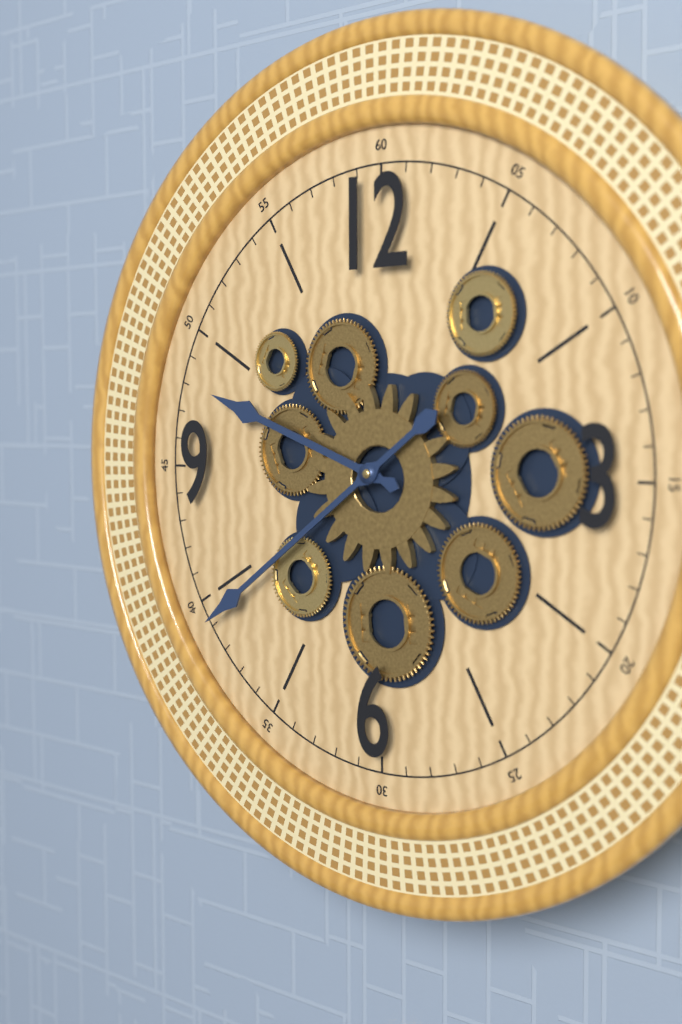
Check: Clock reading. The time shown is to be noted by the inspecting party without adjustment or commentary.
9:39
